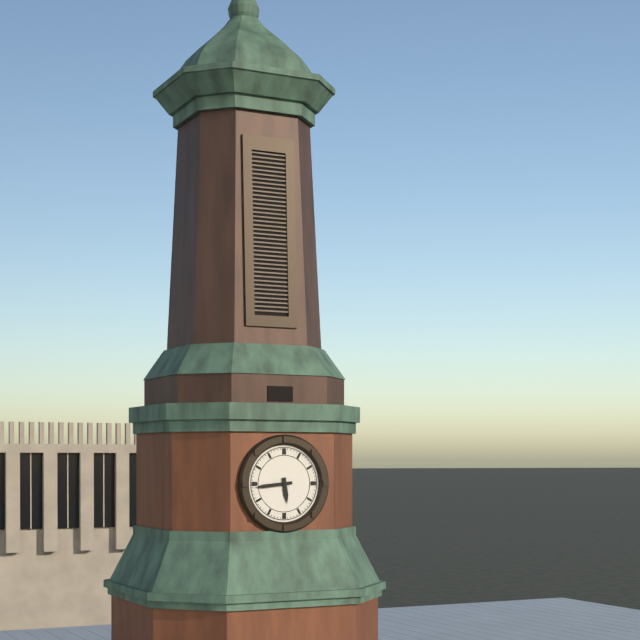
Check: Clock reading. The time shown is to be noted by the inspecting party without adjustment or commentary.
5:44
